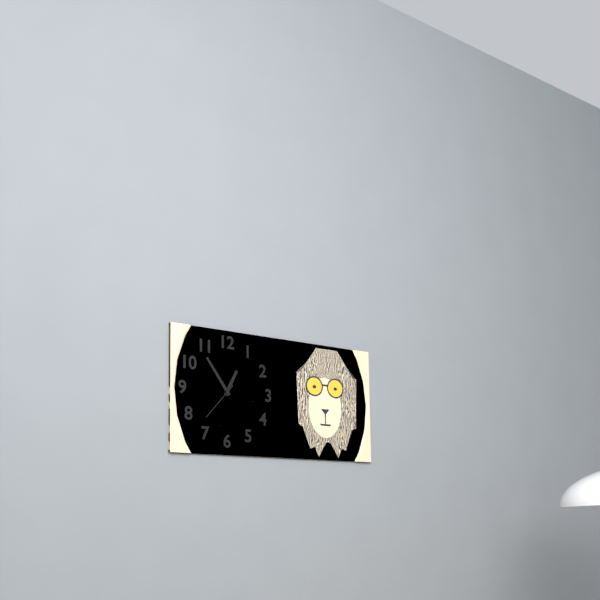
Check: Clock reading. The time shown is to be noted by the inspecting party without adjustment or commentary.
12:54
